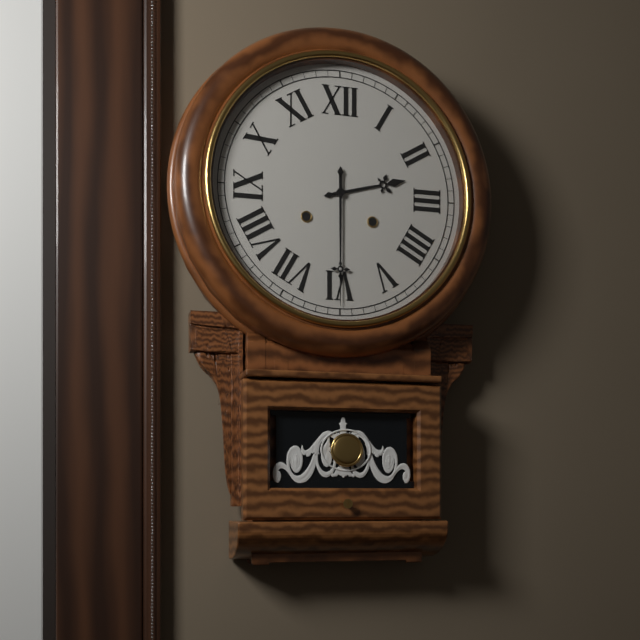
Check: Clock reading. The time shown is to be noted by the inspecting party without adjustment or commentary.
2:30
